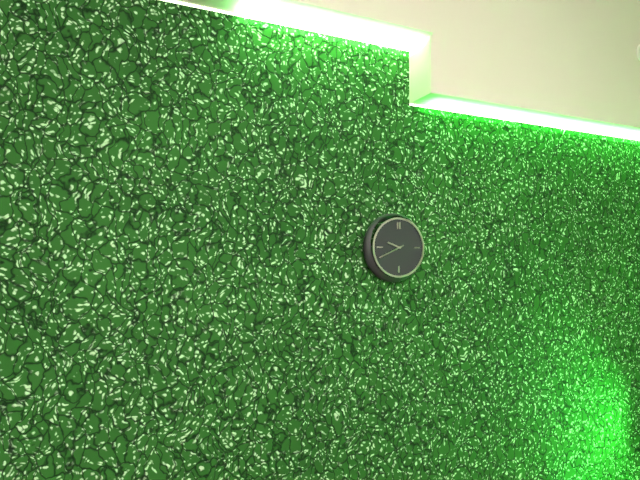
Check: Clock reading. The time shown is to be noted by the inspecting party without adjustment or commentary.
9:41
